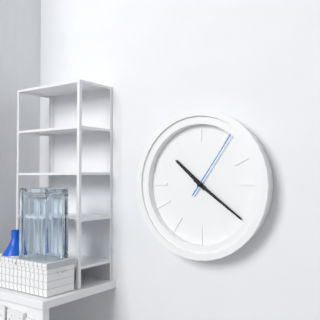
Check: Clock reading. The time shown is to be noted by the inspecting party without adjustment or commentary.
10:21:06
